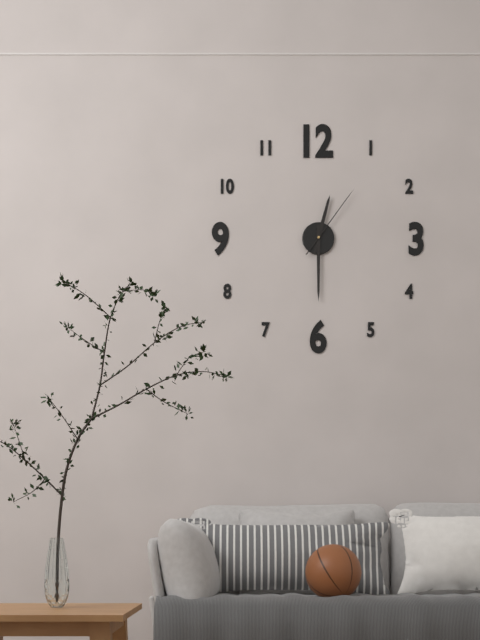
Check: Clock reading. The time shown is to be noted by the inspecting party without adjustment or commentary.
12:30:06
